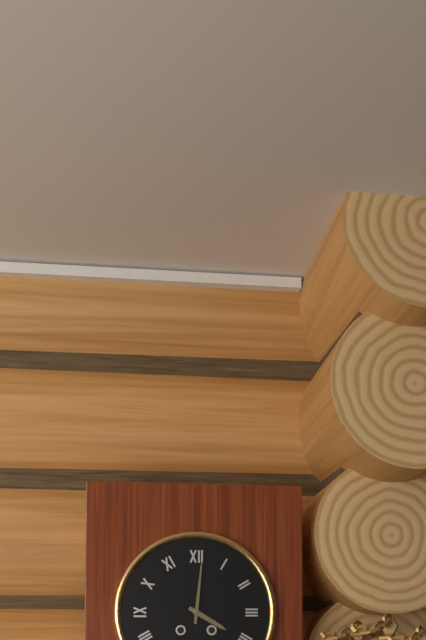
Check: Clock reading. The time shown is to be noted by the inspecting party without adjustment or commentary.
4:01
